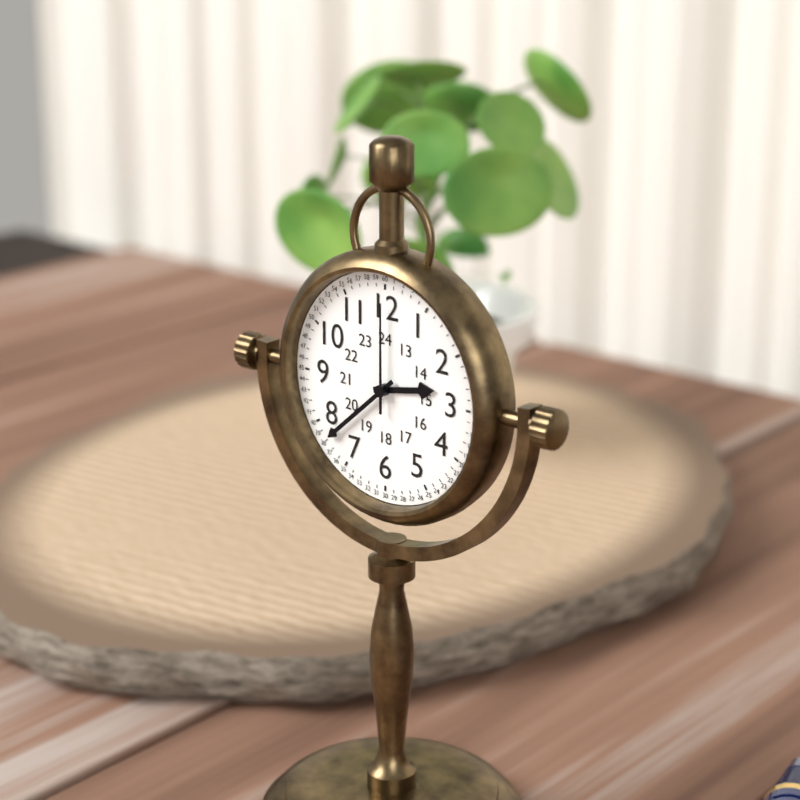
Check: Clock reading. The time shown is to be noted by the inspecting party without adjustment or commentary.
2:38:00
